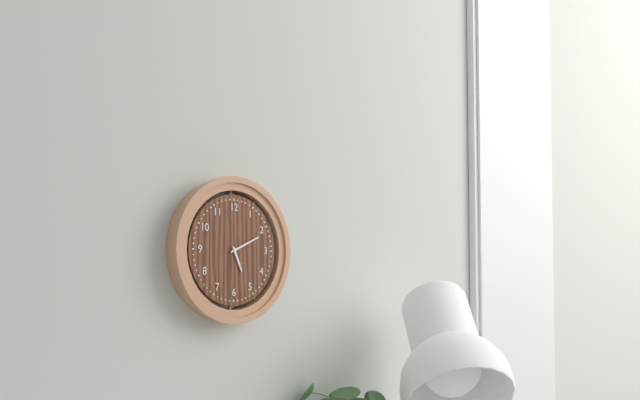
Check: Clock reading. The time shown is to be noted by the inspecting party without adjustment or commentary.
5:11
